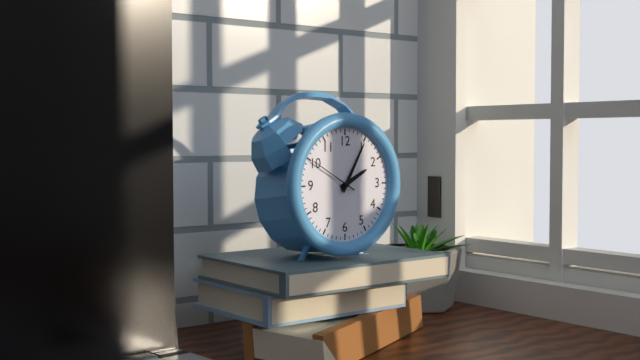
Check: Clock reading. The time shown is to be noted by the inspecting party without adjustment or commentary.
2:05:50
